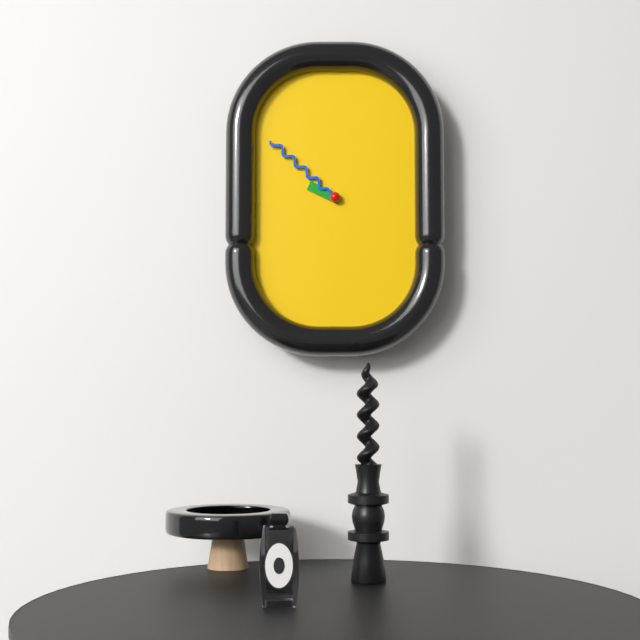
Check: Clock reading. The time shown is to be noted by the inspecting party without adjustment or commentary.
9:52
